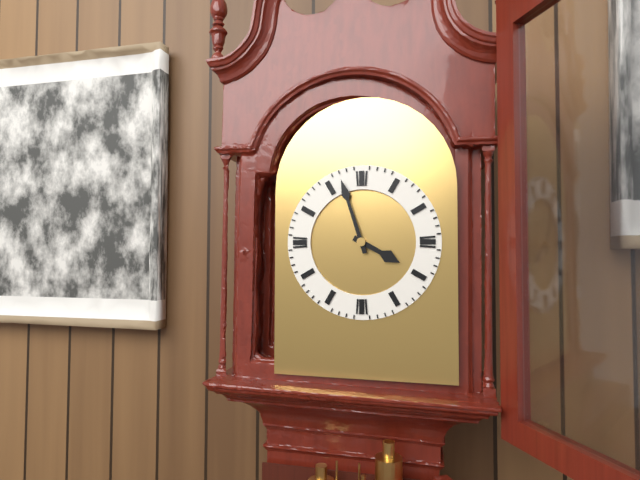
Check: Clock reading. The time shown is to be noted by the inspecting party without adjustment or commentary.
3:57
